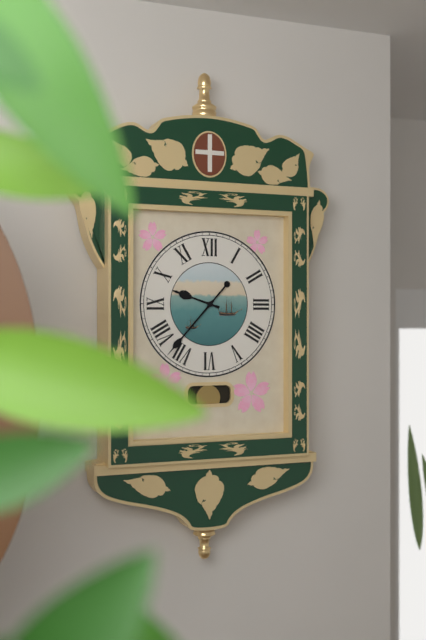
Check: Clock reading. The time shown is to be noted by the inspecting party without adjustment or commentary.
9:37
